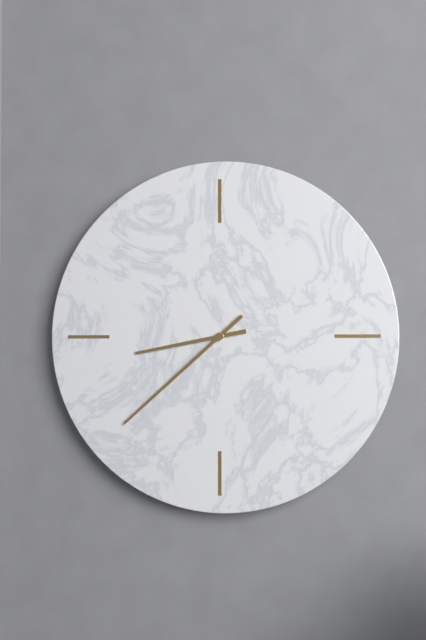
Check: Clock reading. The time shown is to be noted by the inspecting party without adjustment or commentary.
8:38
